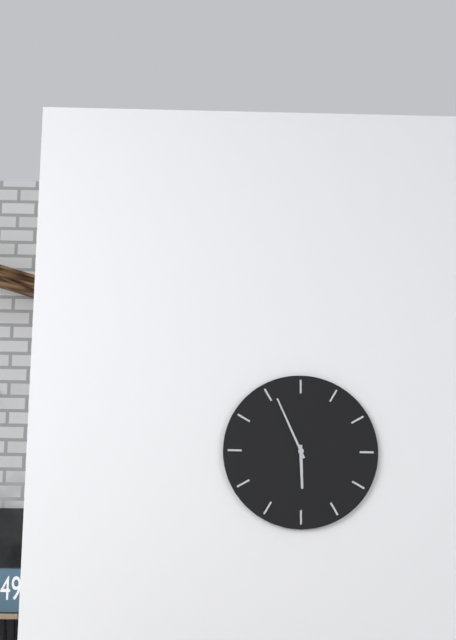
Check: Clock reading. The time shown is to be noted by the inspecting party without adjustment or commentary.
5:56
